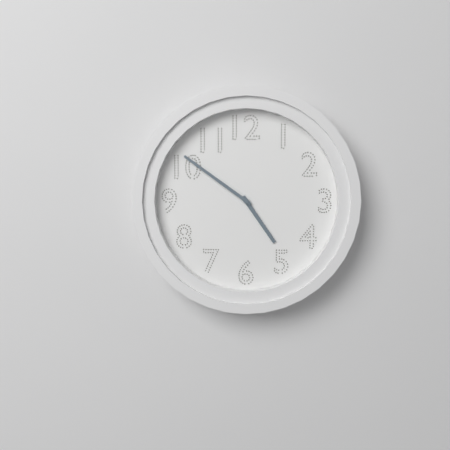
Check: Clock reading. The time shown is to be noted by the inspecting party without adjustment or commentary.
4:51
